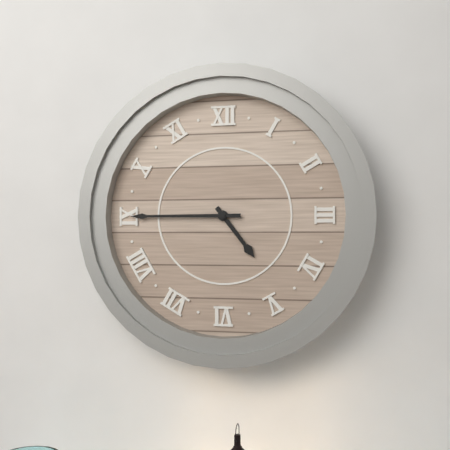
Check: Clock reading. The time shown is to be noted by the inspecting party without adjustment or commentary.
4:45
